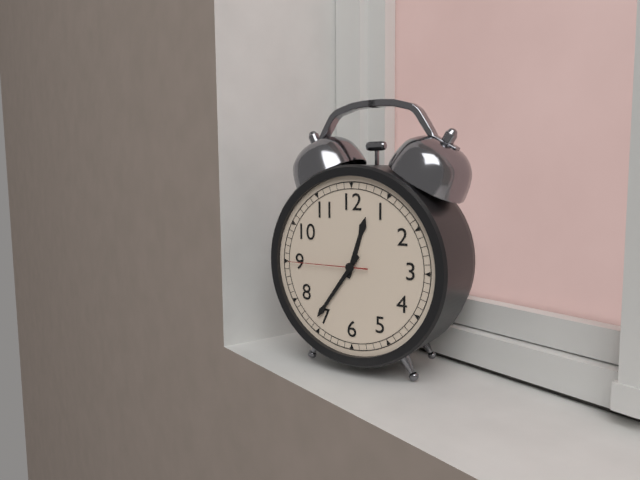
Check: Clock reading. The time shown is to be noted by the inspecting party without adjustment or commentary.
12:36:45
